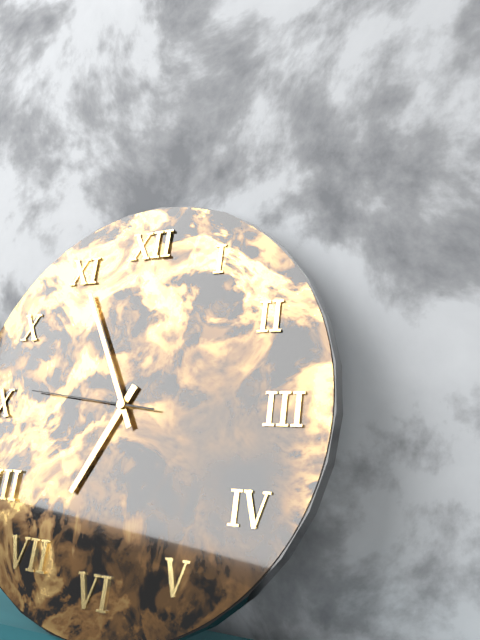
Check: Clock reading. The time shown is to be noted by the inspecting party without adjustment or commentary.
6:55:46
